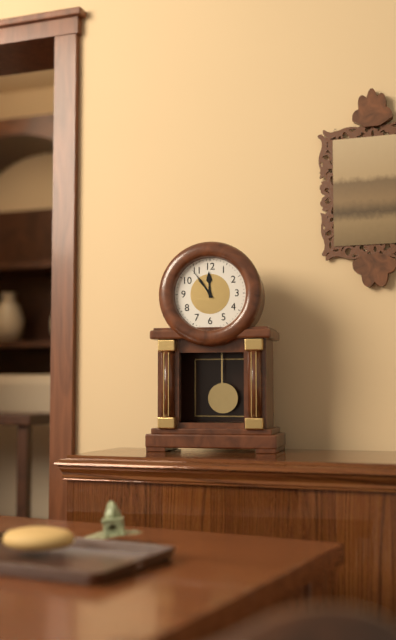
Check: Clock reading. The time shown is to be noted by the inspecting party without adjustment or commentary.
11:54
